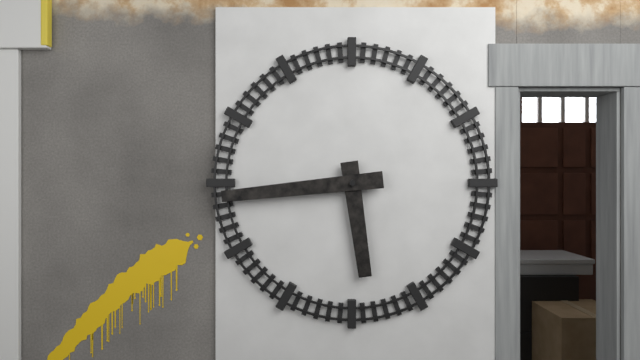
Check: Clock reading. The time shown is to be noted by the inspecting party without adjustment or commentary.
5:44
